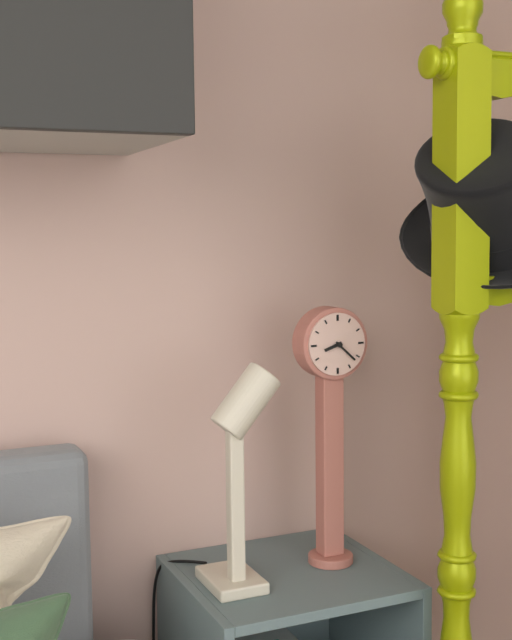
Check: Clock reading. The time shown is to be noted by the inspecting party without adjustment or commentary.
8:22
